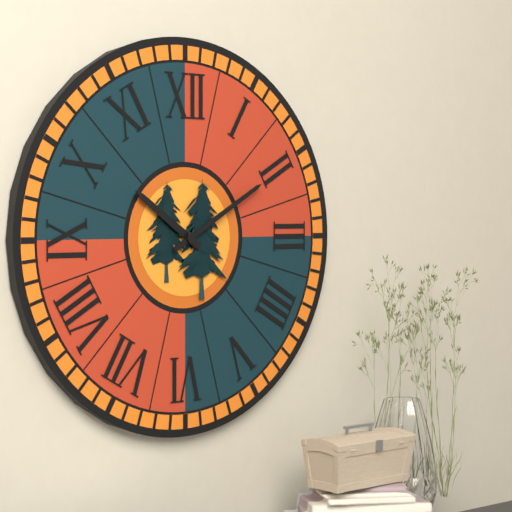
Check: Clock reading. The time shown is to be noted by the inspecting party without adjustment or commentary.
10:10
